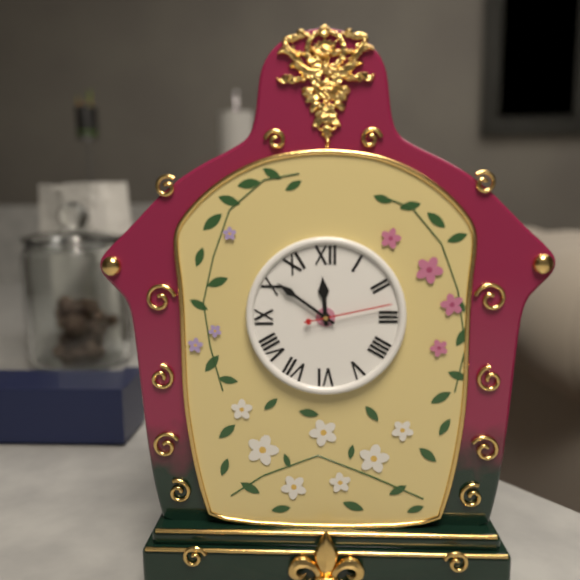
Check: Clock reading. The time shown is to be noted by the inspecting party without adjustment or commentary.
11:51:13
